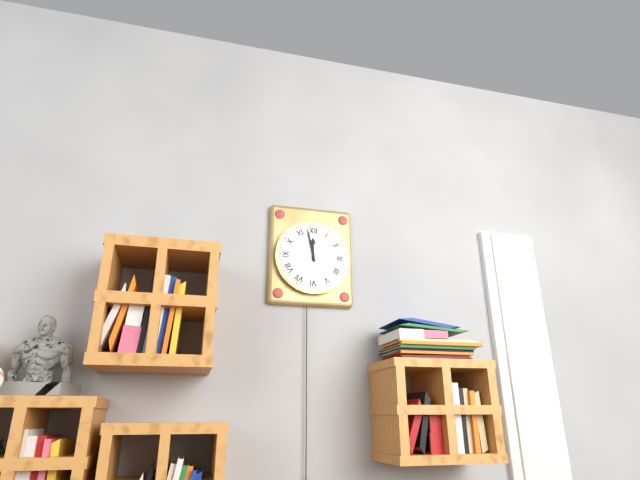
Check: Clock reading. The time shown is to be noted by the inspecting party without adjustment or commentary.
11:58
